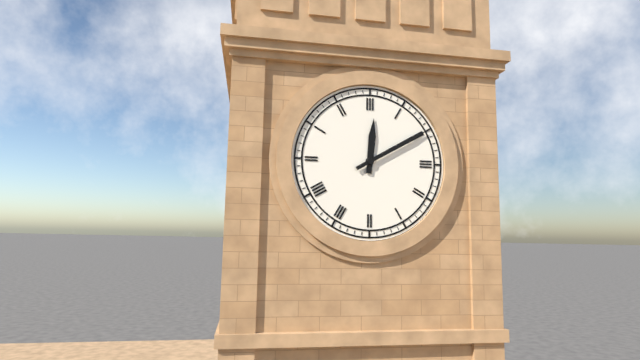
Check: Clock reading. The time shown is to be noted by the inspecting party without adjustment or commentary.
12:10
